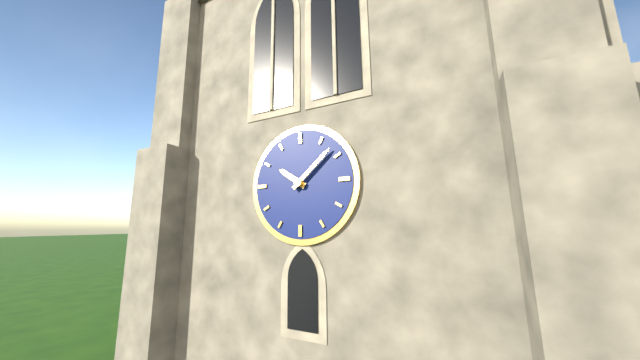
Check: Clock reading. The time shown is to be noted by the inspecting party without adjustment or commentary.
10:08
